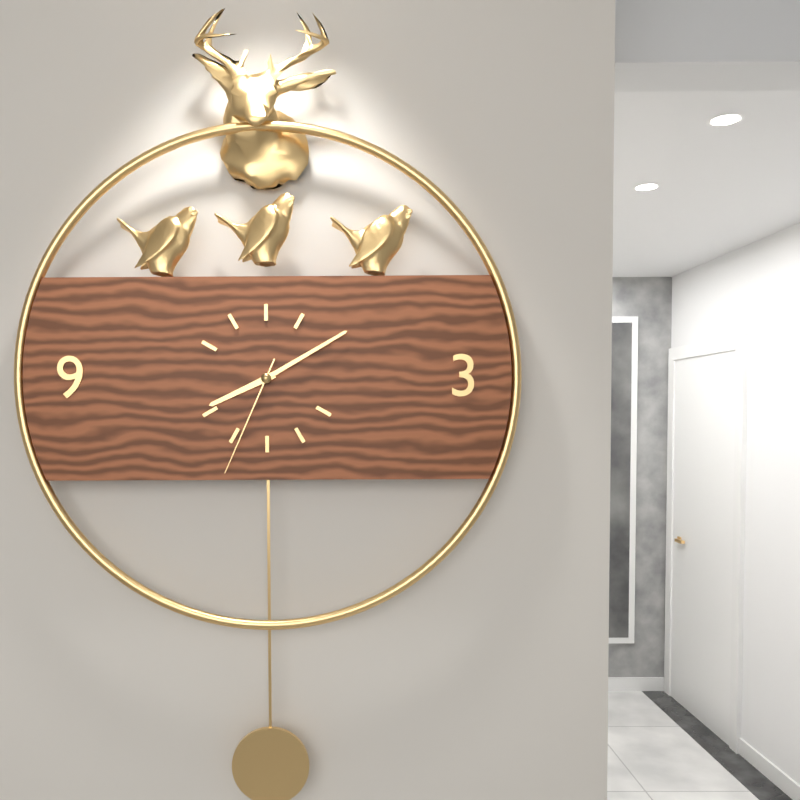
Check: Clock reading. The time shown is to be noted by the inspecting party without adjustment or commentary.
8:10:34
